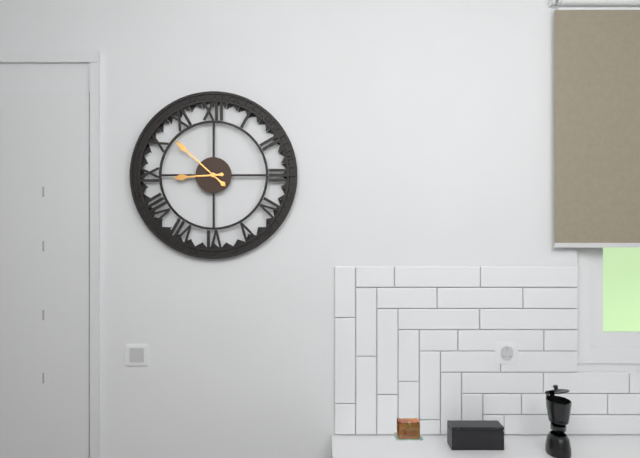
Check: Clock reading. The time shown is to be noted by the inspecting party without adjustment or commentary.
8:52
